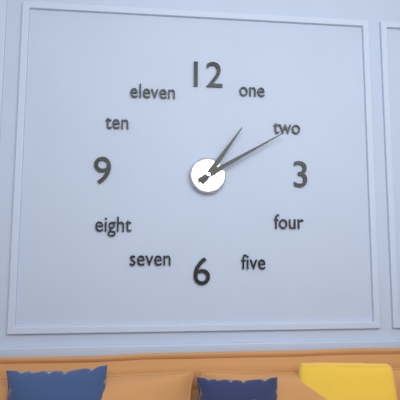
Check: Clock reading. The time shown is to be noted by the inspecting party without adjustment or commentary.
1:10
